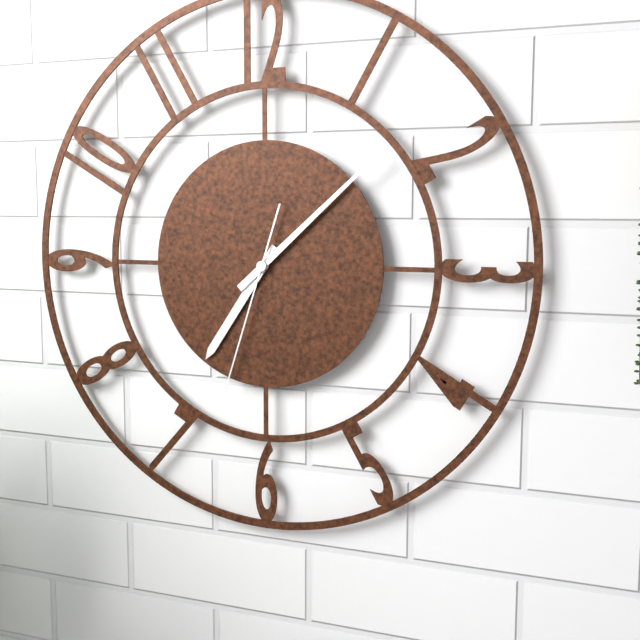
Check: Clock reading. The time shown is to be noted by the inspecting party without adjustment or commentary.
7:08:33
